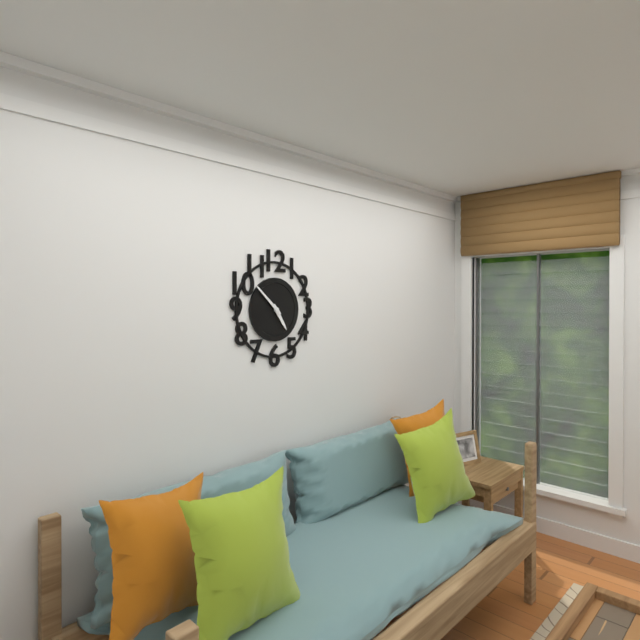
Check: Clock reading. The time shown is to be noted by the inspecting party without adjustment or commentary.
4:52
